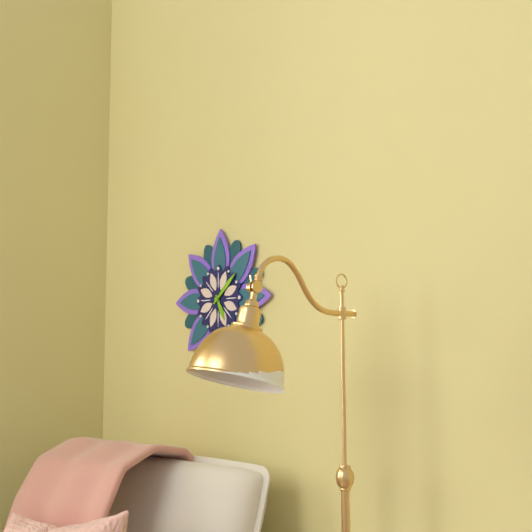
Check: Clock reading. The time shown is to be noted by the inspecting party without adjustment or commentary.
5:08
